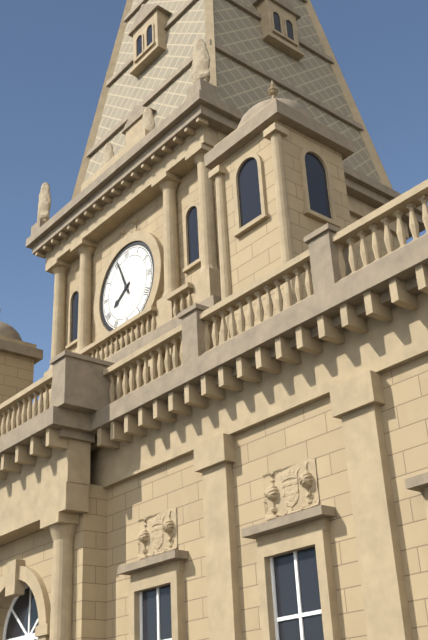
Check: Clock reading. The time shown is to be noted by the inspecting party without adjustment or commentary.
7:56
